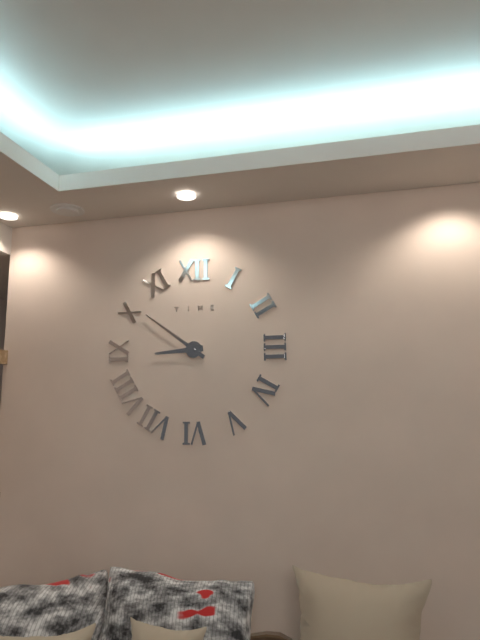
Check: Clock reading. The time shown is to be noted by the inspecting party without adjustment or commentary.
8:51
